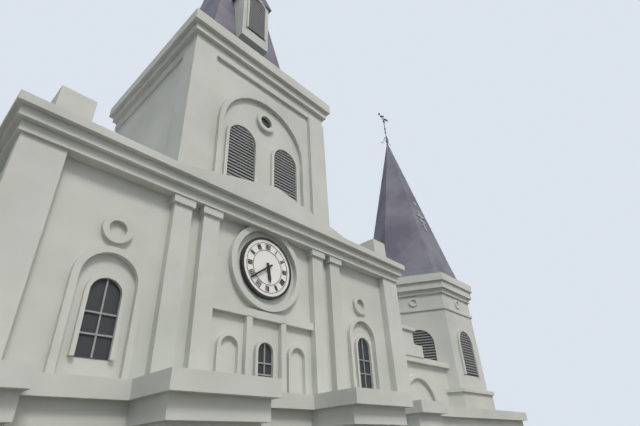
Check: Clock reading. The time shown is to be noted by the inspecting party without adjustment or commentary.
5:39
